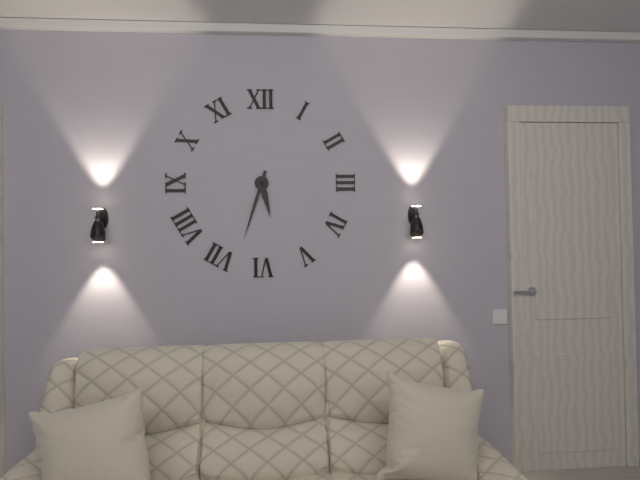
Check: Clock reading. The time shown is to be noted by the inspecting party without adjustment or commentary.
5:33
